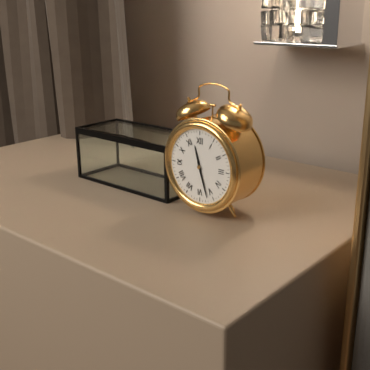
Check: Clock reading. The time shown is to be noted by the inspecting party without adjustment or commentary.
11:27
